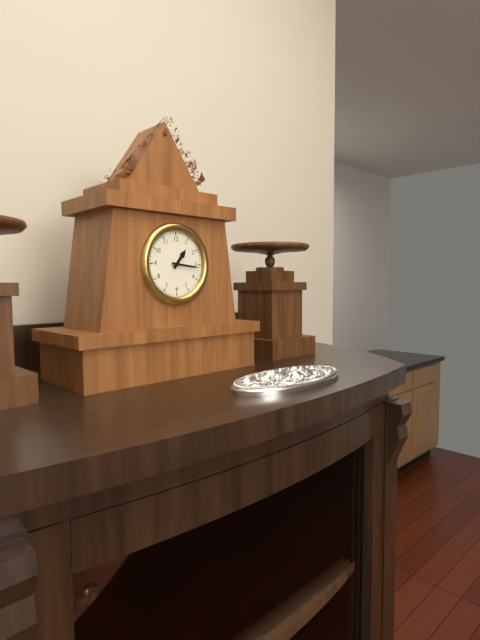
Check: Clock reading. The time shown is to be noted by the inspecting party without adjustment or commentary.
1:16
